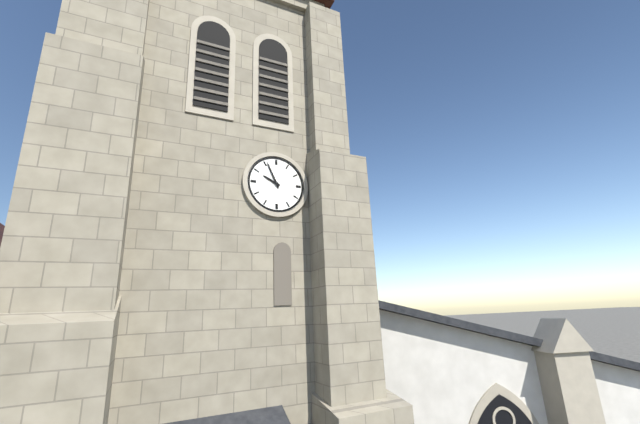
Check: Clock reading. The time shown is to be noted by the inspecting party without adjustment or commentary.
9:56
